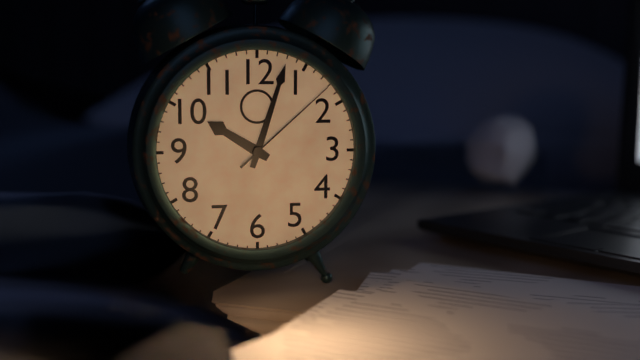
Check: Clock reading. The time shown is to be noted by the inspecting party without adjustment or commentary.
10:03:08
